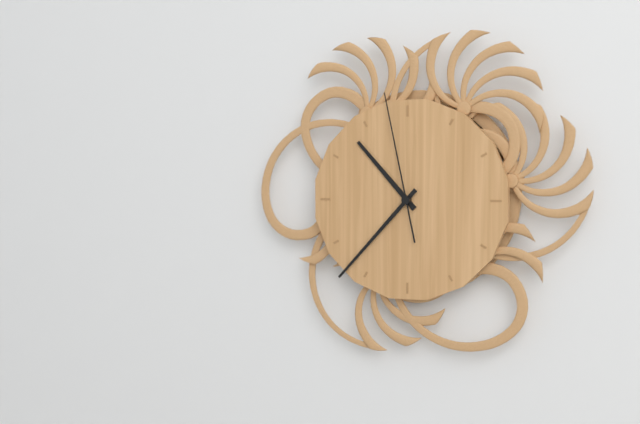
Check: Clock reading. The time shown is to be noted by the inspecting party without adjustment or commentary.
10:37:58
